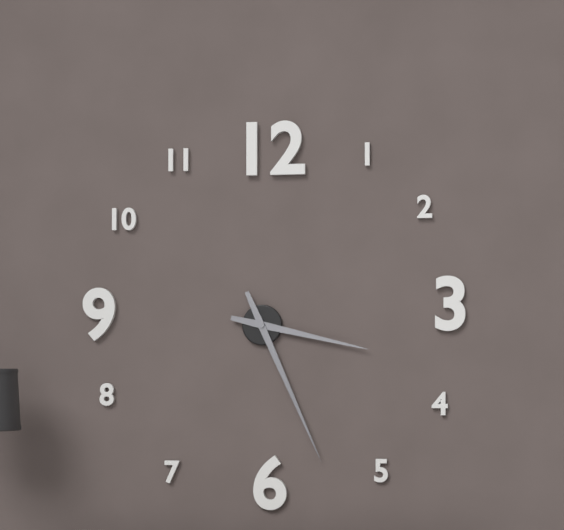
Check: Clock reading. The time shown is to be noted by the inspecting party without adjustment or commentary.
3:26
